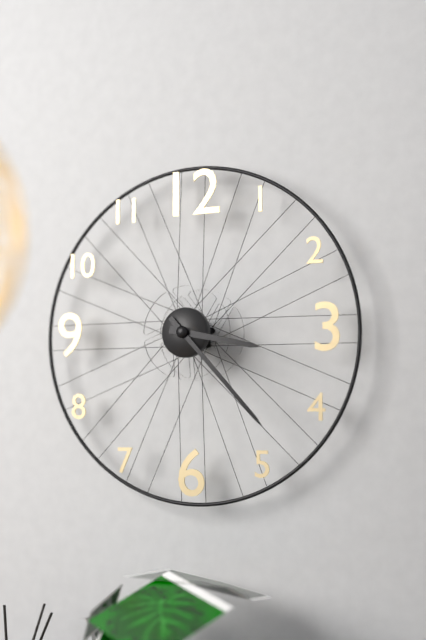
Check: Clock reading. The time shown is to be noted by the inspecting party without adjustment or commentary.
3:23
